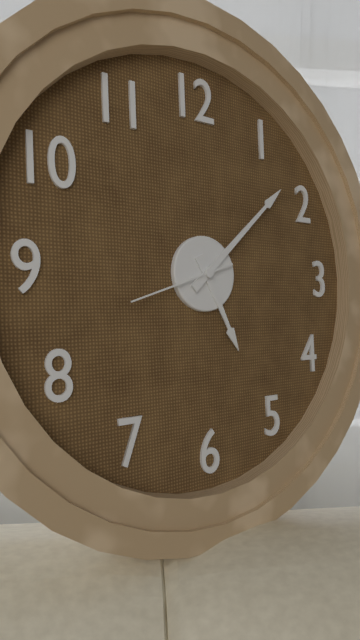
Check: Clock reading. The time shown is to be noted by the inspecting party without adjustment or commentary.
5:08:42
